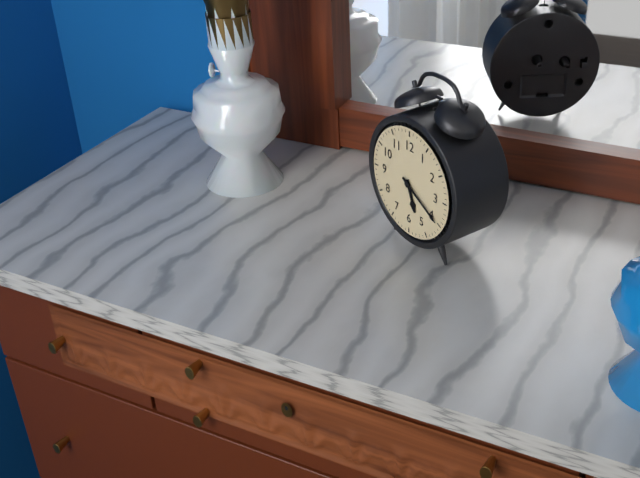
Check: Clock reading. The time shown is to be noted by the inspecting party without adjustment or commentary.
5:20
